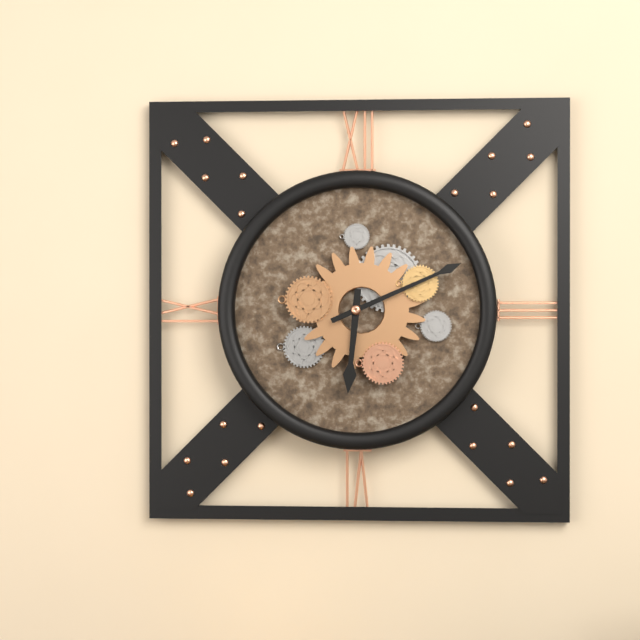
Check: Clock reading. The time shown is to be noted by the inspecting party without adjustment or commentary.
6:11
